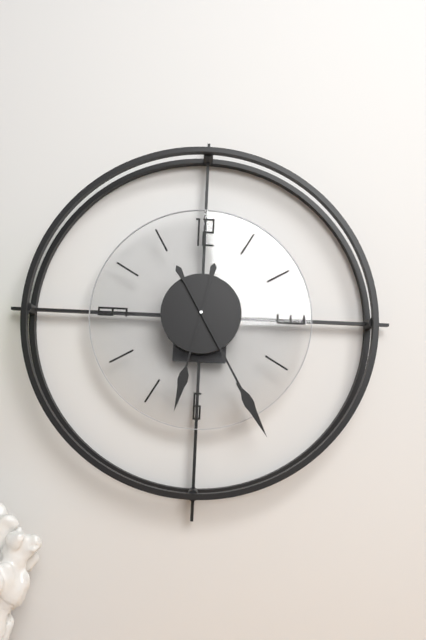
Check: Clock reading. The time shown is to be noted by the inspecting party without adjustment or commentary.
6:25
